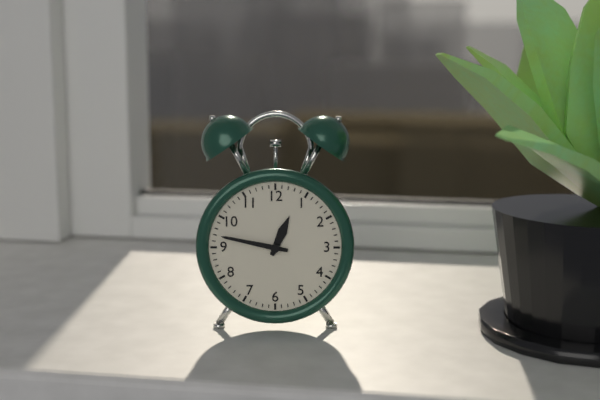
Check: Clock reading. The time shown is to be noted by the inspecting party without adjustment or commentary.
12:47
